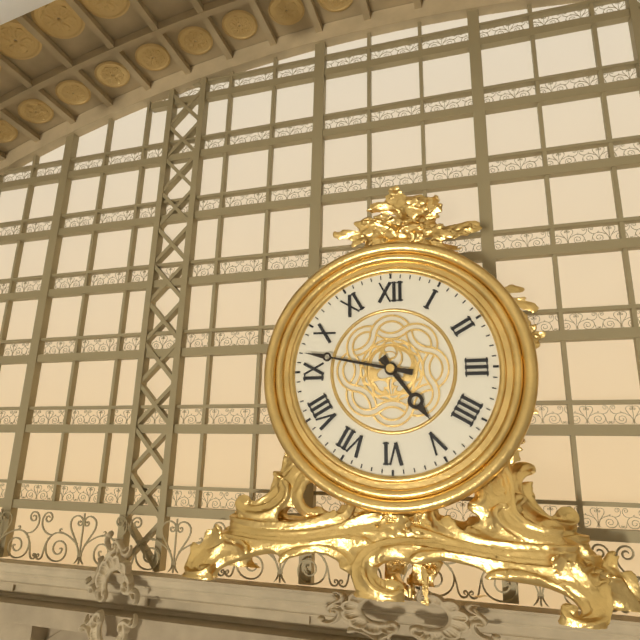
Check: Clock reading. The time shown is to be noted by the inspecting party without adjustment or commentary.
4:47
